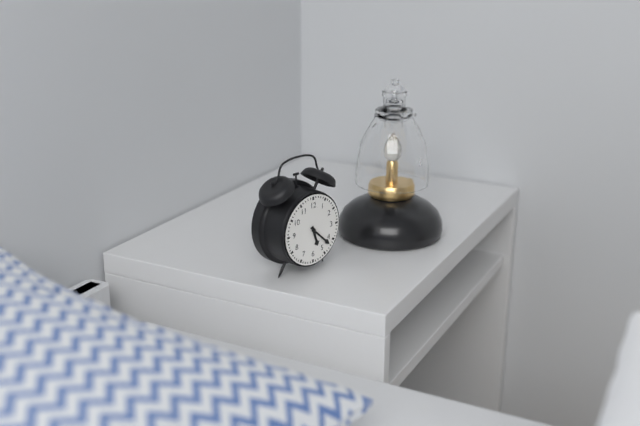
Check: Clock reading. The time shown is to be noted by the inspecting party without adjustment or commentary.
5:22
